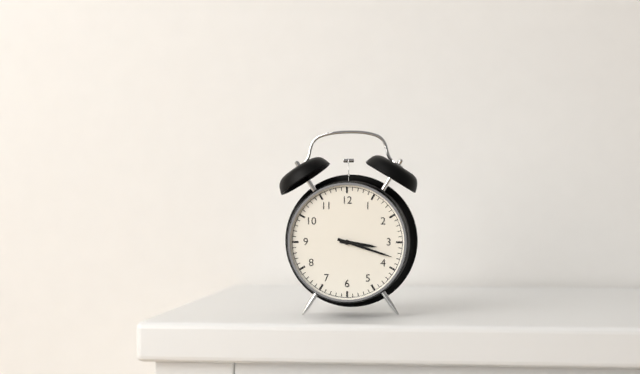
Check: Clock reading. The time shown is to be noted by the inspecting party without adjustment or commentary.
3:18
